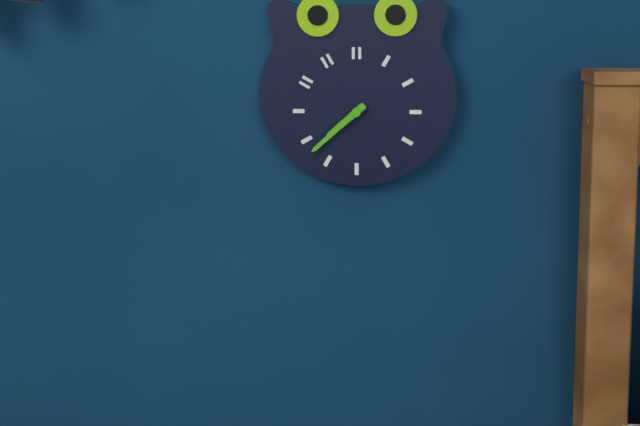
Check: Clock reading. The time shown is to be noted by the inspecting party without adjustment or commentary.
7:38
